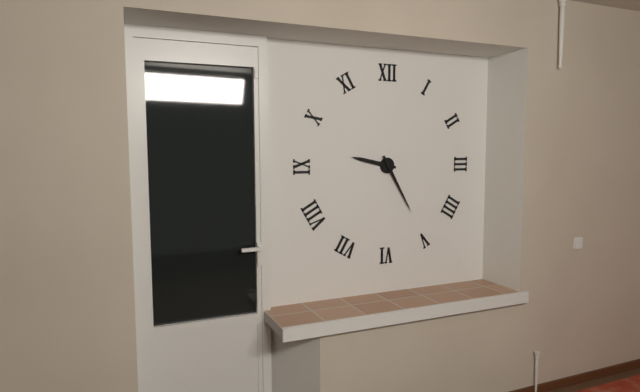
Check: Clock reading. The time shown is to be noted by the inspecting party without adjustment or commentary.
9:25
